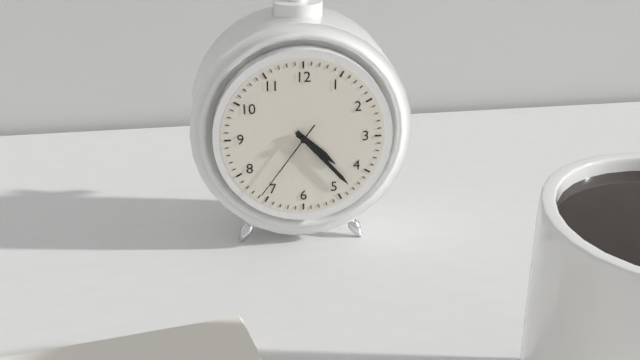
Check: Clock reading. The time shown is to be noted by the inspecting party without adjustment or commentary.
4:23:36
